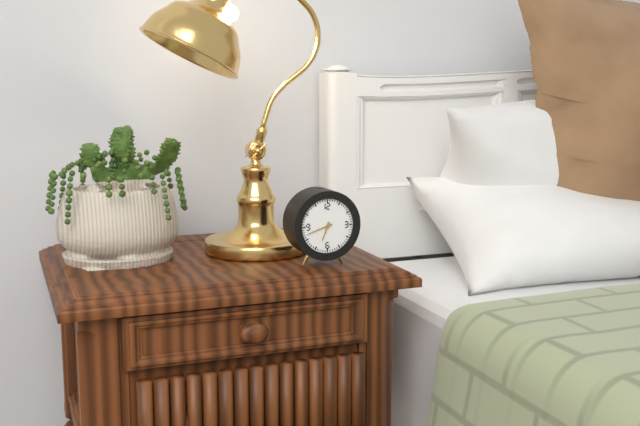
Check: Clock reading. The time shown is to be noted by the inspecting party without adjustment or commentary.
6:42
